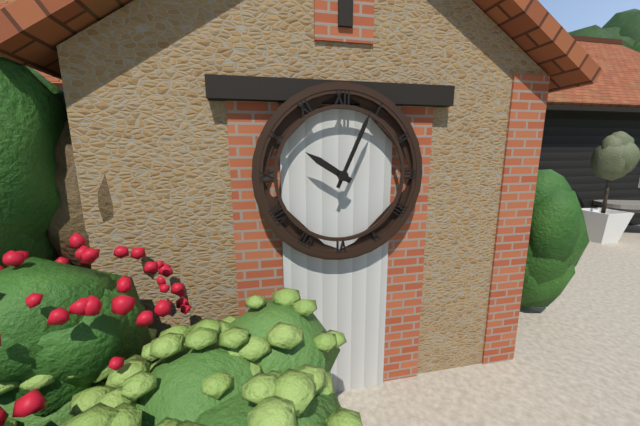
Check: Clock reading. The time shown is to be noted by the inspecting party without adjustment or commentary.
10:04
